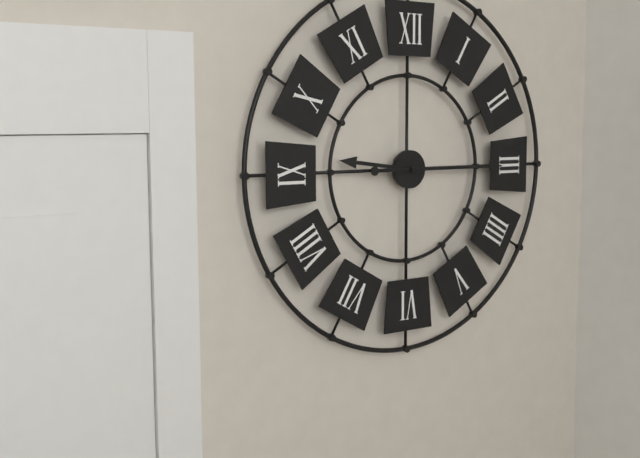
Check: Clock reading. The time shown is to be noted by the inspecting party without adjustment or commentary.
9:15
